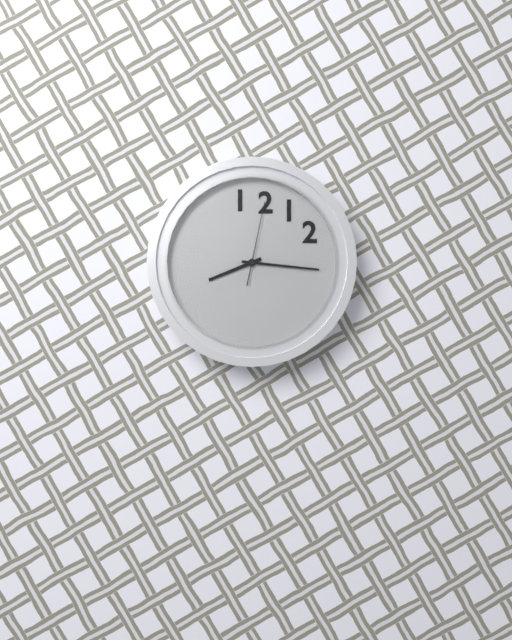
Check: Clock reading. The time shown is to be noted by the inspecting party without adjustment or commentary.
8:16:02
